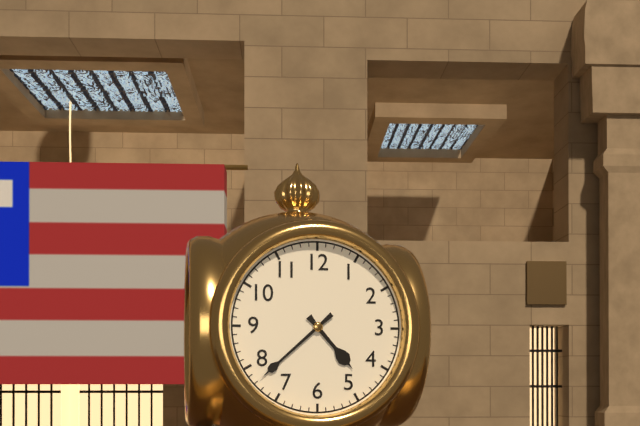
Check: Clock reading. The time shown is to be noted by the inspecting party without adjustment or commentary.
4:38
